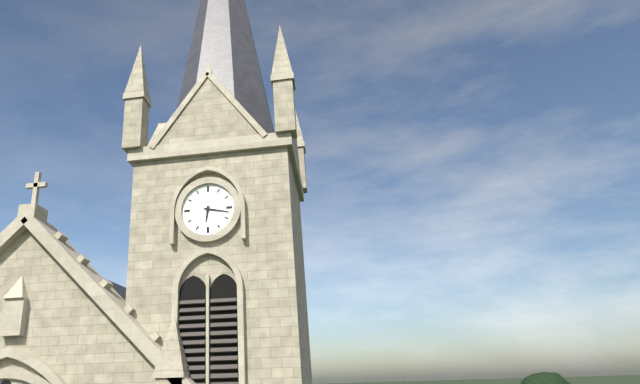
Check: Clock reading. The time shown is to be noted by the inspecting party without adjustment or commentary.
6:17
